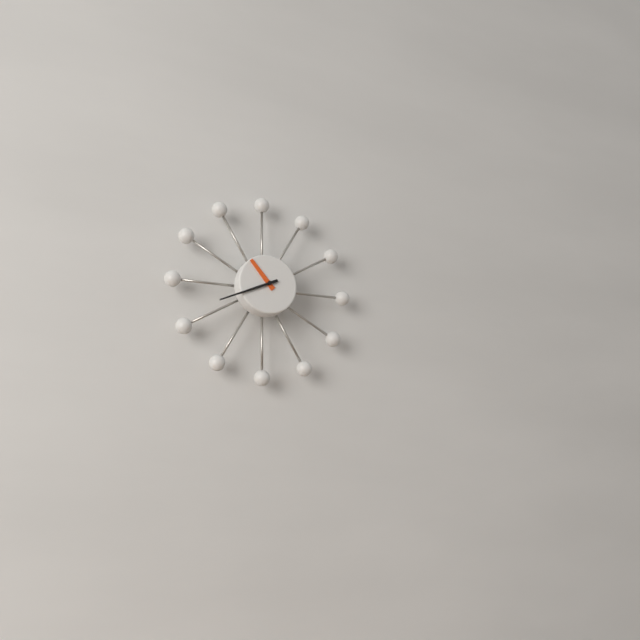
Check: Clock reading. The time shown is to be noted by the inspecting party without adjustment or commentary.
10:41
